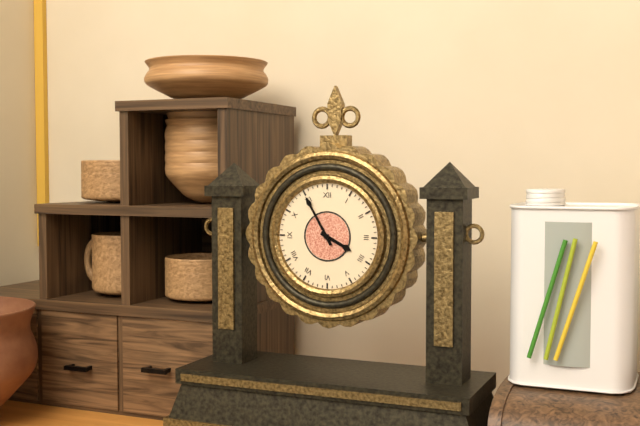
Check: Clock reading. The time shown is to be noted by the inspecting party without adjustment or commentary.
3:55
